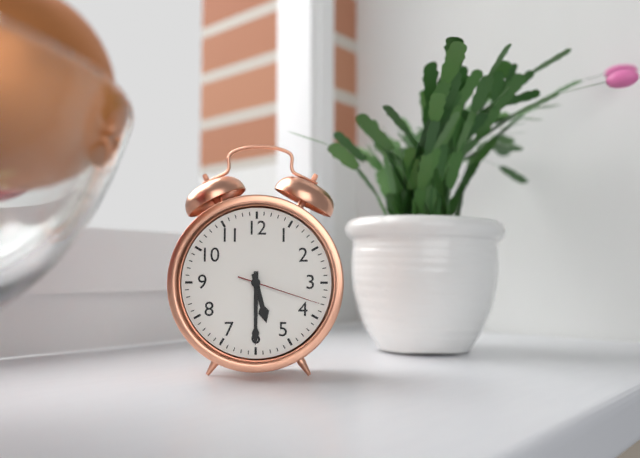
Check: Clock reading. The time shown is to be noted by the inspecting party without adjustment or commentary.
5:30:18
